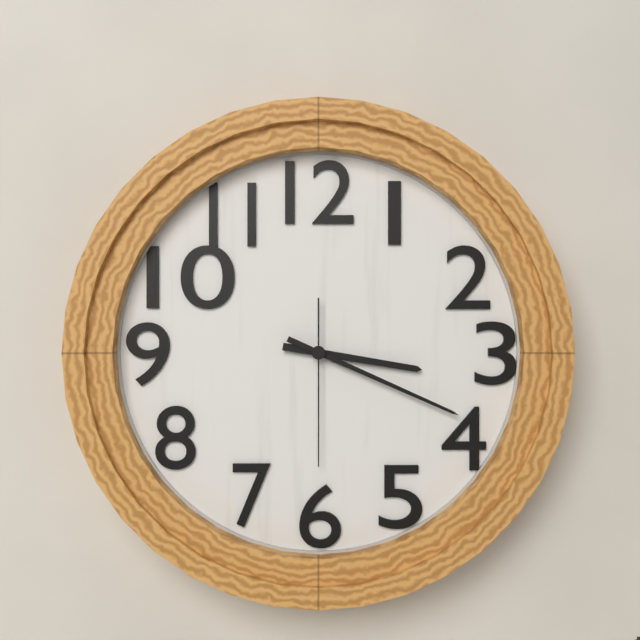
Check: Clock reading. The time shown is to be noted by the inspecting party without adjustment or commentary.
3:19:30
